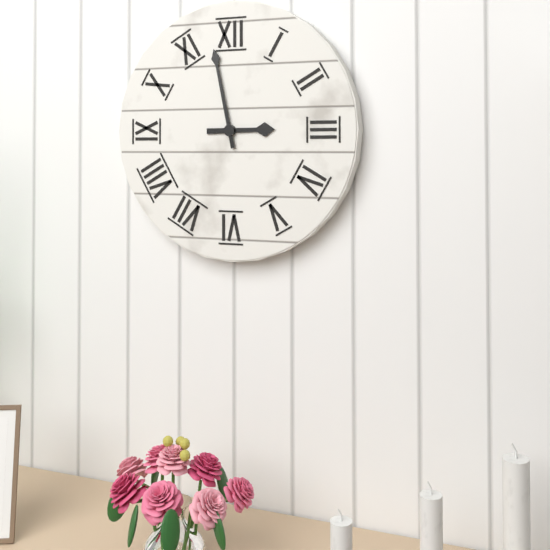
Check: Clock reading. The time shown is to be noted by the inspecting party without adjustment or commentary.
2:58
